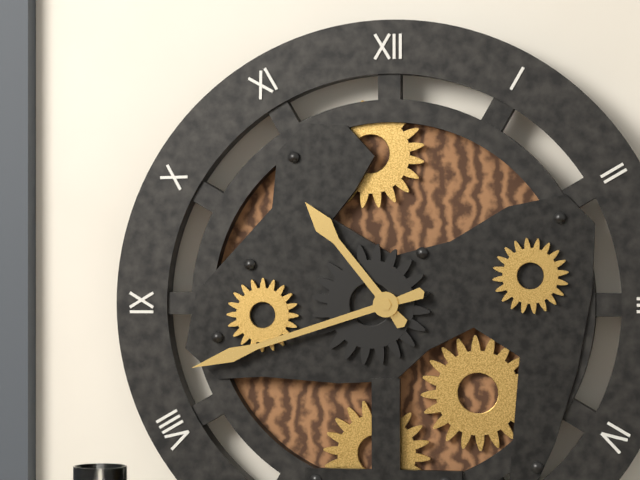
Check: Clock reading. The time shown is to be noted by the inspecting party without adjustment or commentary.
10:42
